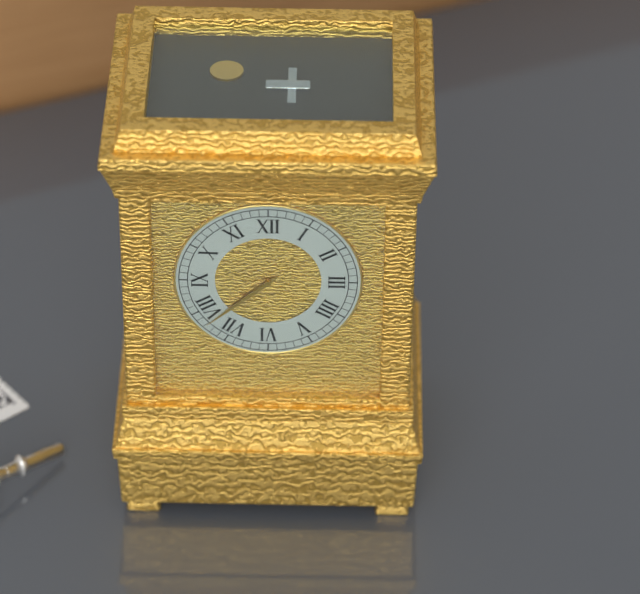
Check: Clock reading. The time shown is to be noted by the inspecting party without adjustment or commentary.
7:38
